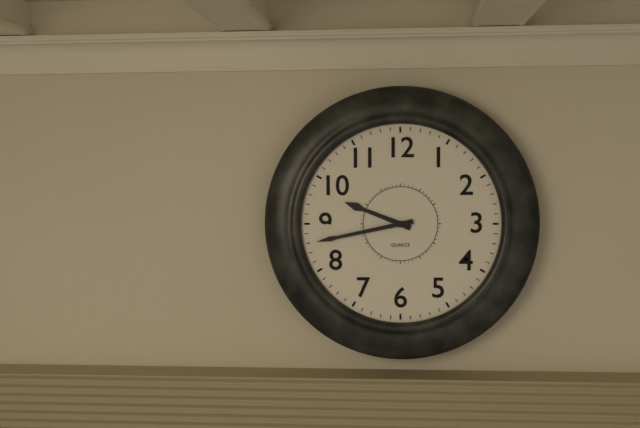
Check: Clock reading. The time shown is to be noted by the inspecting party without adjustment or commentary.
9:43
